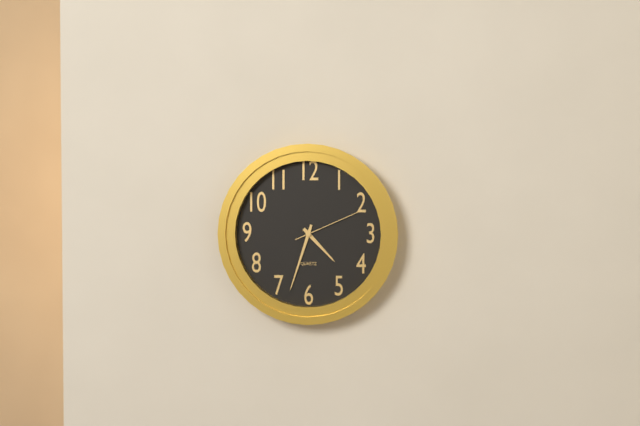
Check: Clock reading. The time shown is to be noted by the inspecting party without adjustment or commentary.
4:33:11
